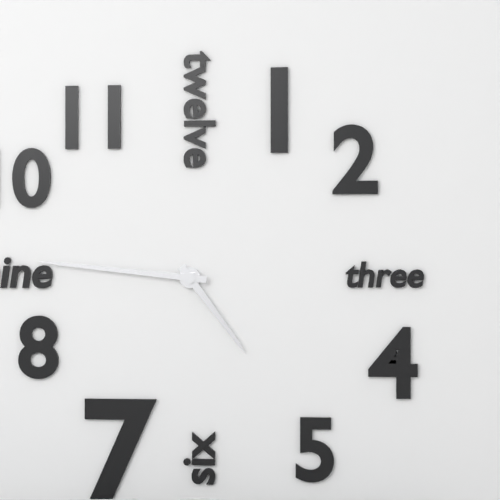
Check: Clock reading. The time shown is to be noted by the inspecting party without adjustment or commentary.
4:46
